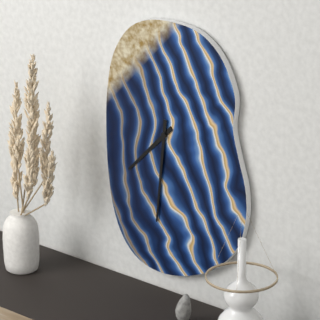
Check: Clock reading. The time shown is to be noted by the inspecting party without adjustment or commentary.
7:31
